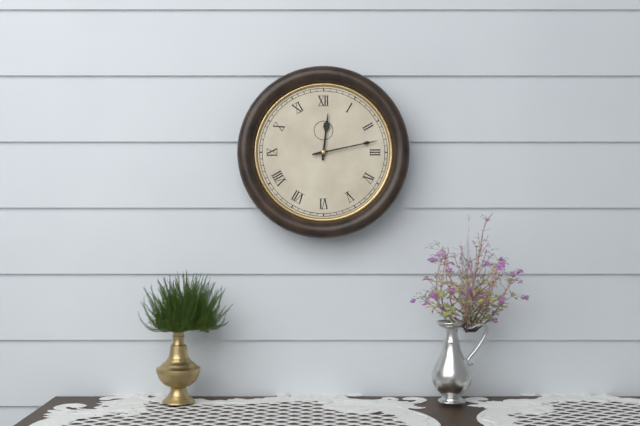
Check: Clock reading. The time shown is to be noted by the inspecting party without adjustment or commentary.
12:13
